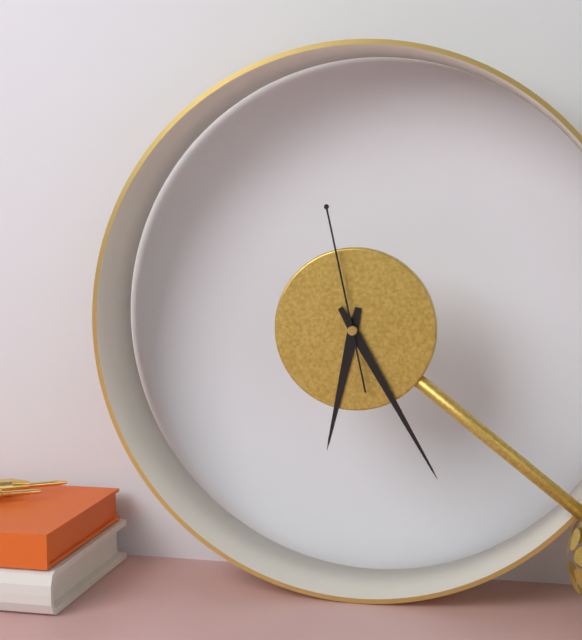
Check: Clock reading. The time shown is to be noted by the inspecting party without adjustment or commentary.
6:25:58
